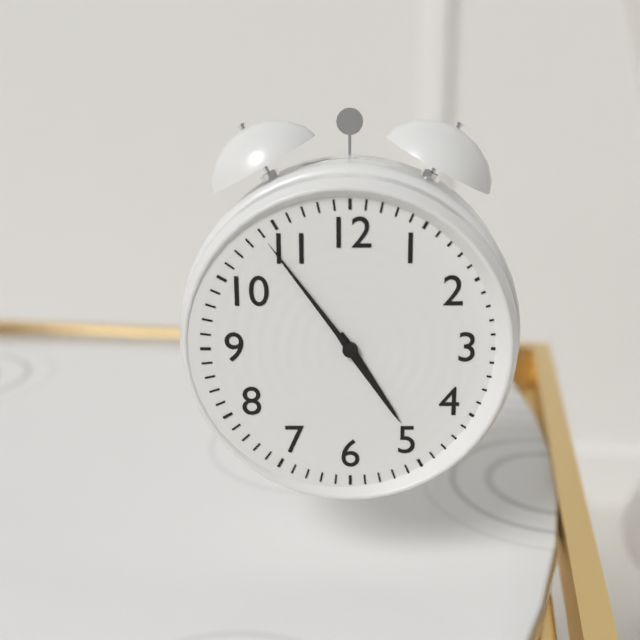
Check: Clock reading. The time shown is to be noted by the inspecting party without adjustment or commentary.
4:54
